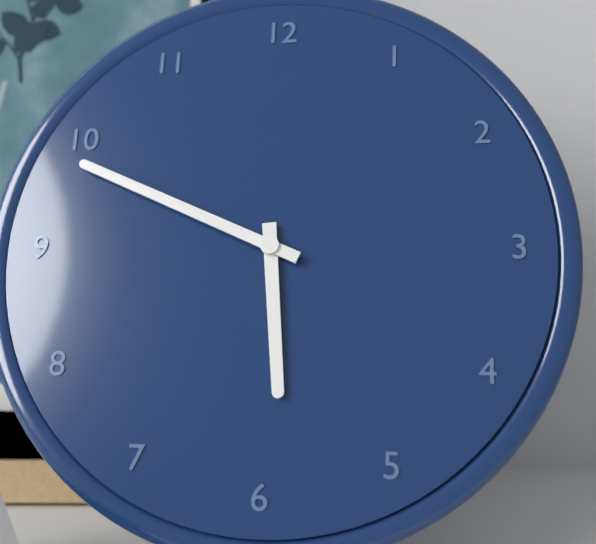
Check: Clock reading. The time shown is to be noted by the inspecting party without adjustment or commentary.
5:49
